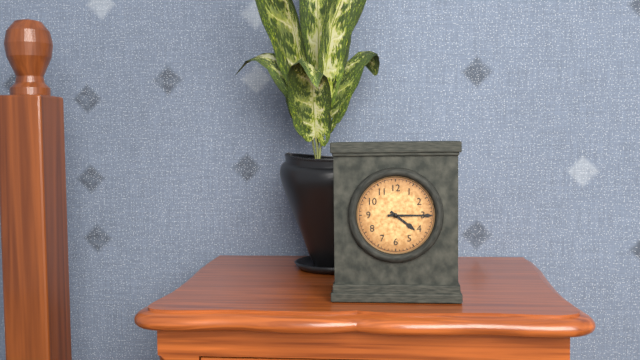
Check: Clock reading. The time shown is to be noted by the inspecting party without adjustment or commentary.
4:15
